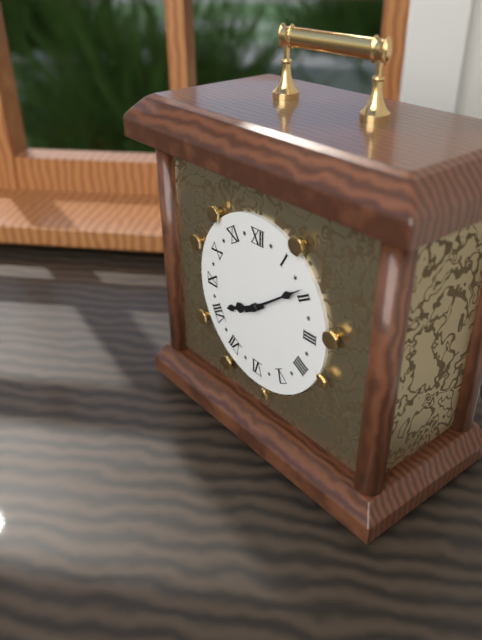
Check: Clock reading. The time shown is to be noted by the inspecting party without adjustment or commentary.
8:09
